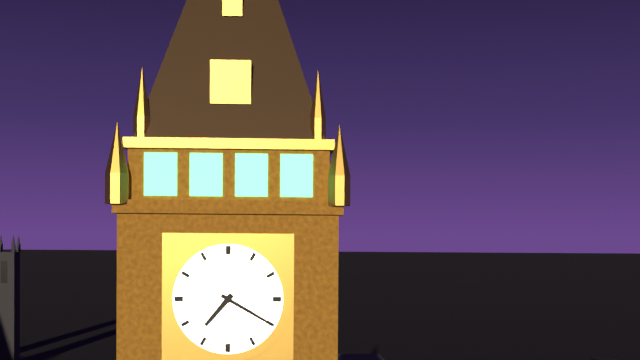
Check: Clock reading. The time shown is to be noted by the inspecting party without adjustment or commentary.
7:20
